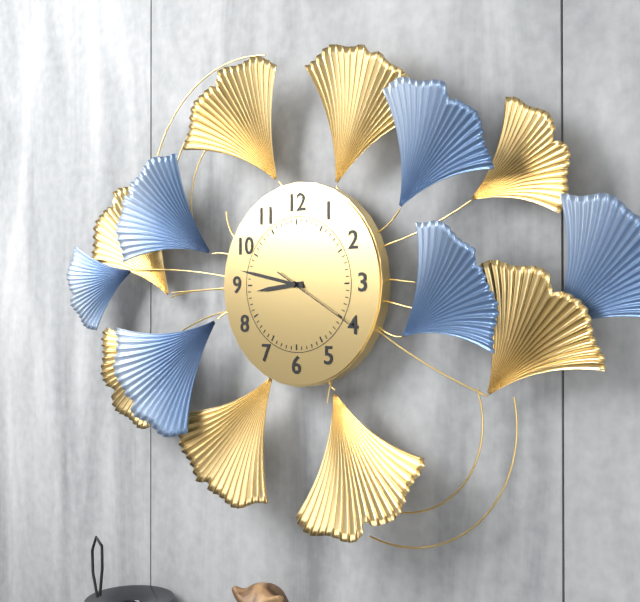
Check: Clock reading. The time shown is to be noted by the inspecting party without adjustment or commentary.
8:47:20
